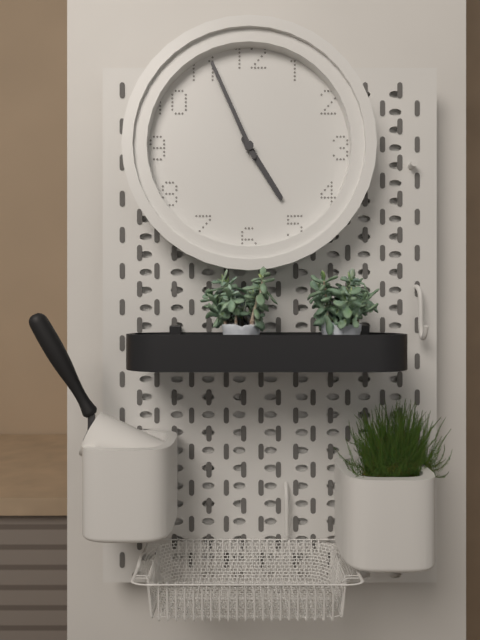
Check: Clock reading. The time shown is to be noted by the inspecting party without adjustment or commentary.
4:56
